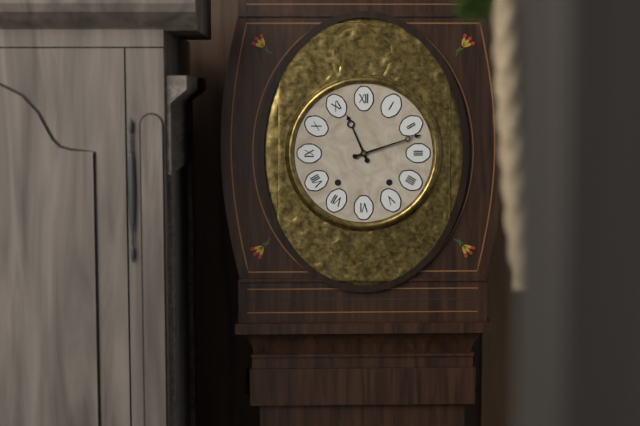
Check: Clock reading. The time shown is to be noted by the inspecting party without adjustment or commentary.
11:12
